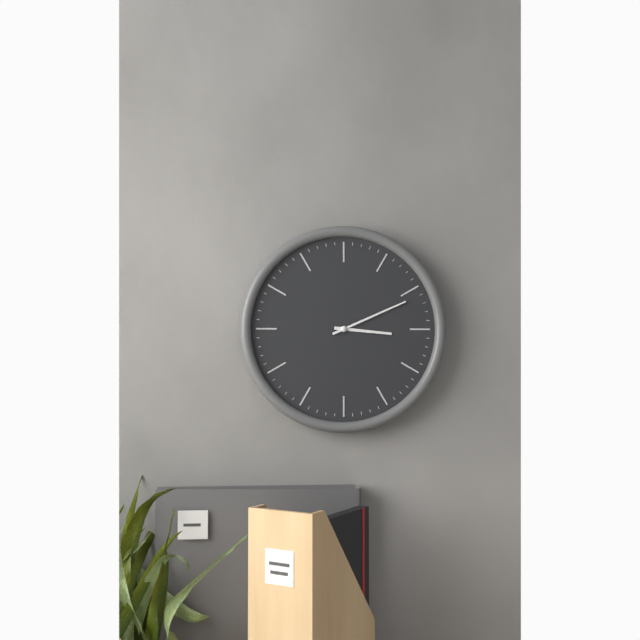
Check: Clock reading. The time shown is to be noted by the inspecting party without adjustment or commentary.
3:11
